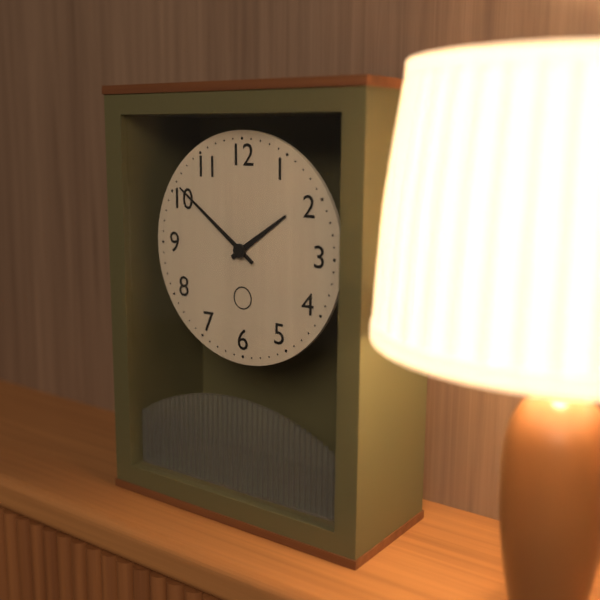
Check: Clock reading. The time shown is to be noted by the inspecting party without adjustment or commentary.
1:51
